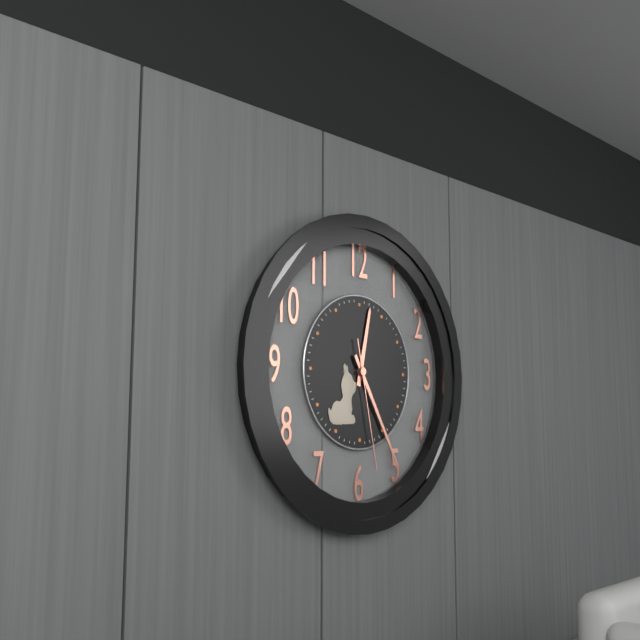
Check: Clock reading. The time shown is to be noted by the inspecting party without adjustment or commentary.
12:25:28
